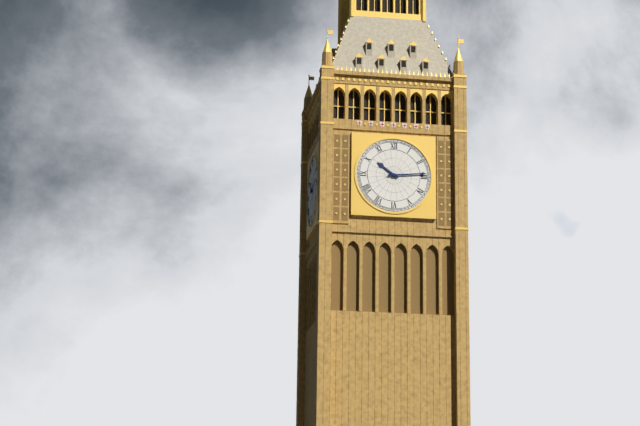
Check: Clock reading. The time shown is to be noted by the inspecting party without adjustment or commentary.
10:14
